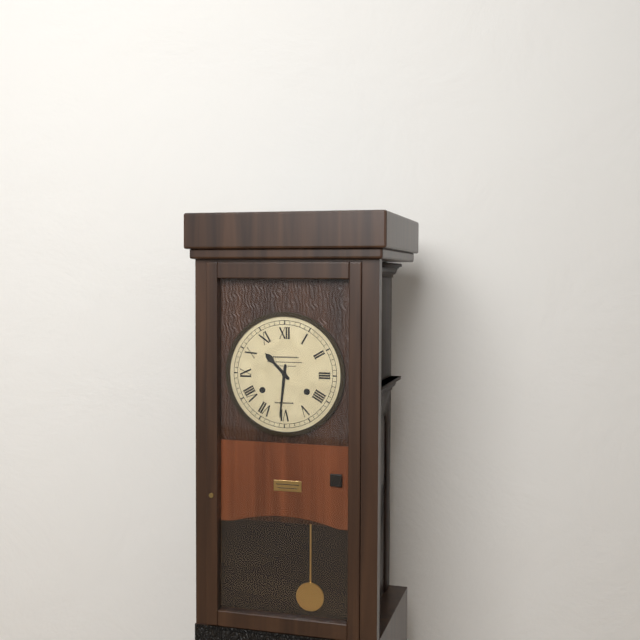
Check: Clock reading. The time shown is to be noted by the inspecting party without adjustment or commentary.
10:31
